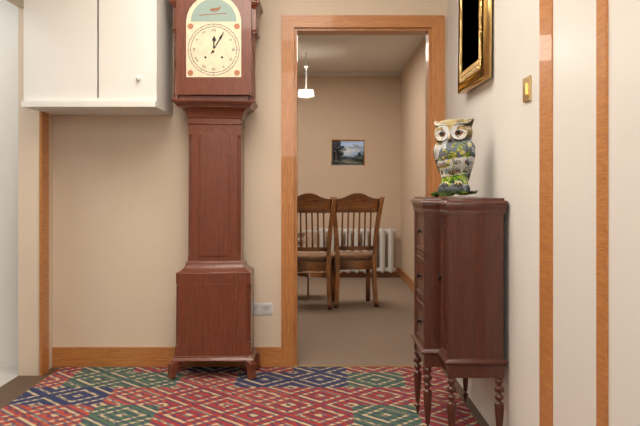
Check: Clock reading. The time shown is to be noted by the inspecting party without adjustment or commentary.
12:05
